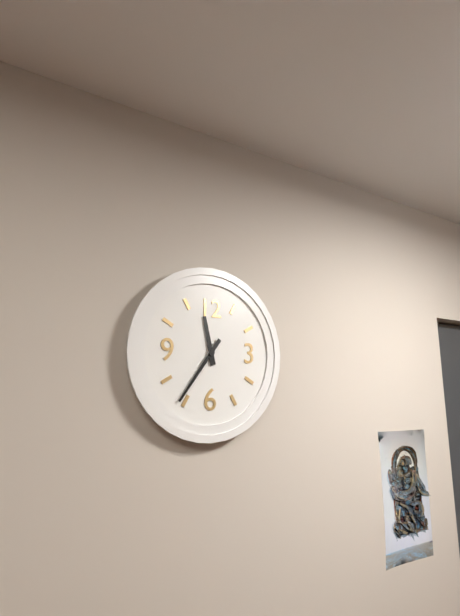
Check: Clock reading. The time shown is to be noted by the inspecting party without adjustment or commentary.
11:36
